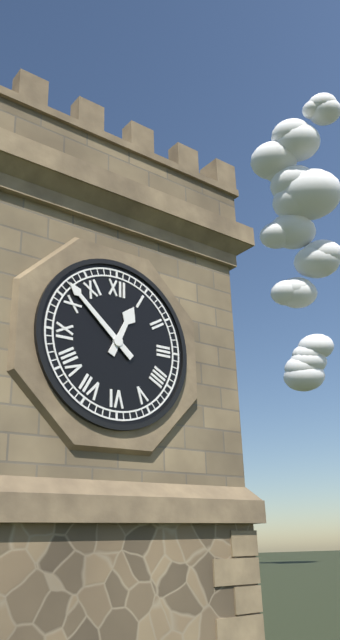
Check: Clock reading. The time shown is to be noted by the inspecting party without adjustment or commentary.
12:52
